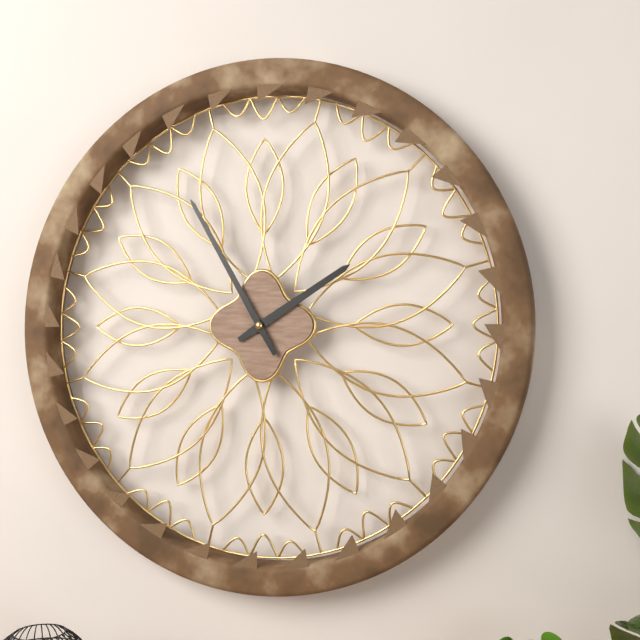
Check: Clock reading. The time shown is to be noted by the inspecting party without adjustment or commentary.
1:55
